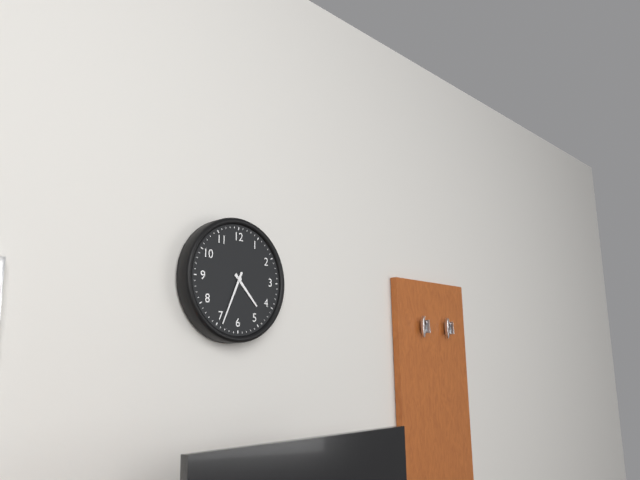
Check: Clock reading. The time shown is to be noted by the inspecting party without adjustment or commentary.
4:34
